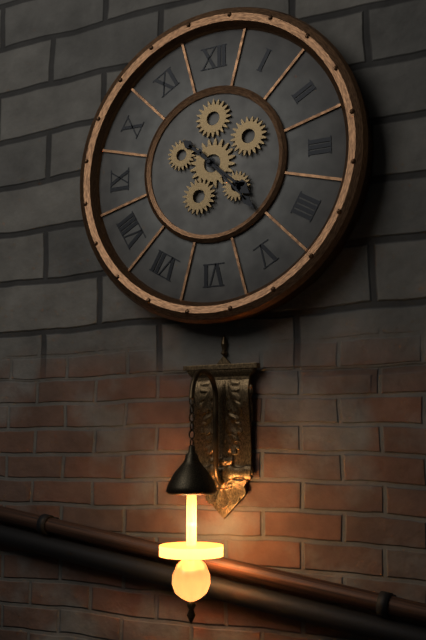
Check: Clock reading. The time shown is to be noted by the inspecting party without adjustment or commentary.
4:23
